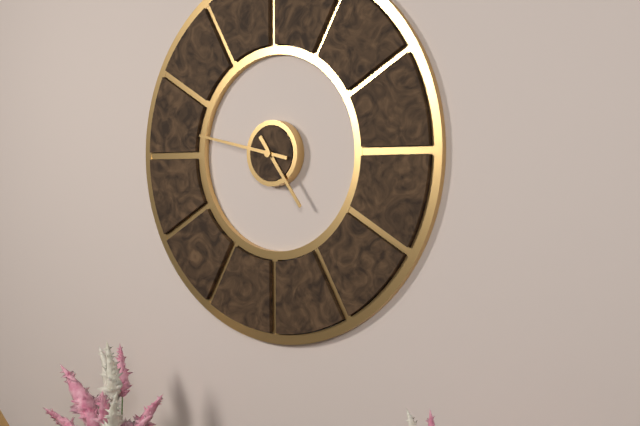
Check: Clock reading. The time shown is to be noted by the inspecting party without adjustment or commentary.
4:47
